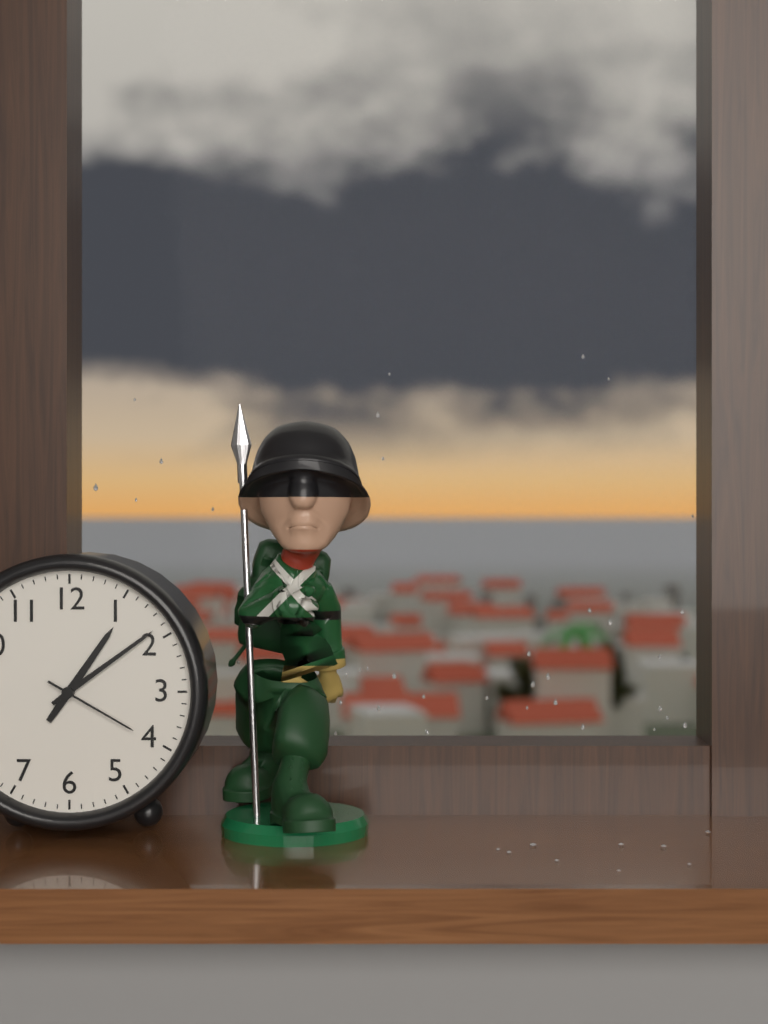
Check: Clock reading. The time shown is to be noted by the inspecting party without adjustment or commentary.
1:09:20
